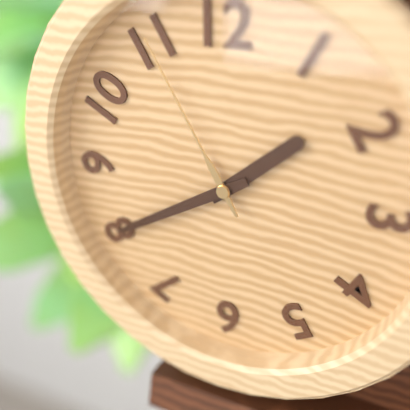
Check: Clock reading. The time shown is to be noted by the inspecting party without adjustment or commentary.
1:40:55
